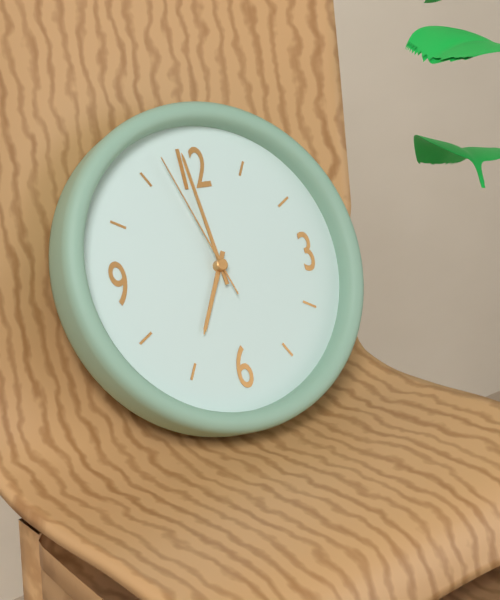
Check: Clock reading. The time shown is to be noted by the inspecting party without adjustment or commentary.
6:59:57
